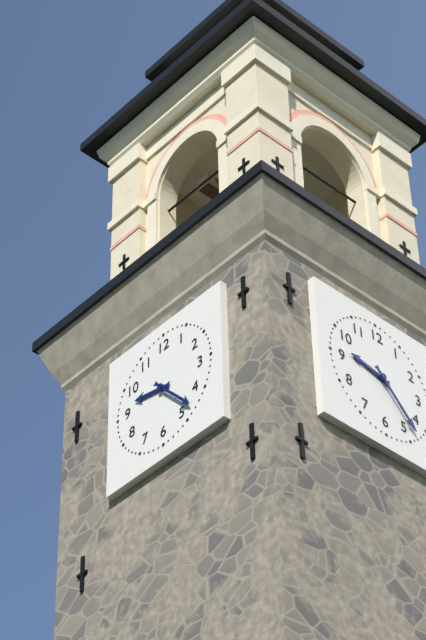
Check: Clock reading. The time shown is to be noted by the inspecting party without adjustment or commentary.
9:23
